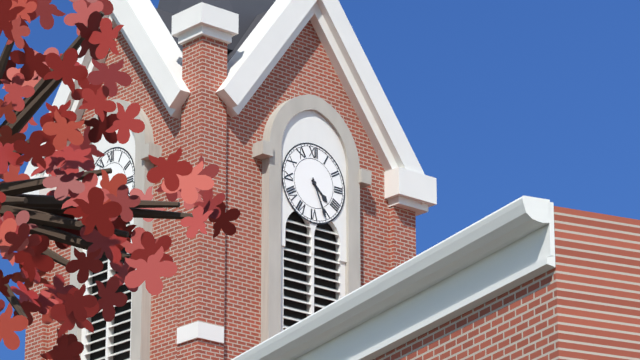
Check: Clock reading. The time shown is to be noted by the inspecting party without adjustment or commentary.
4:26
